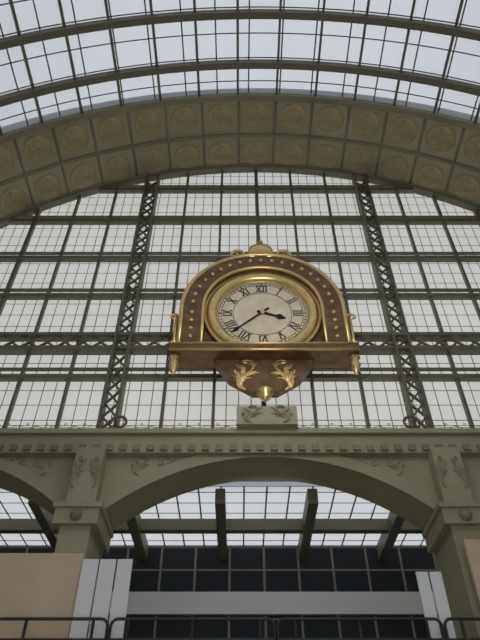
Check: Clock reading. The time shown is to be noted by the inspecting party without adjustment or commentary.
3:38
